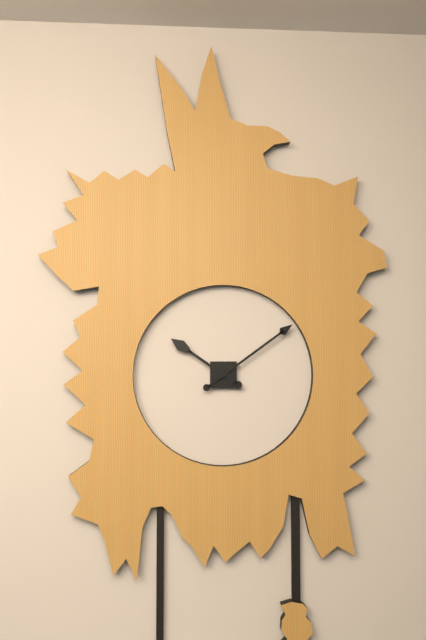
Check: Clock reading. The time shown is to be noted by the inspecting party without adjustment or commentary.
10:09
